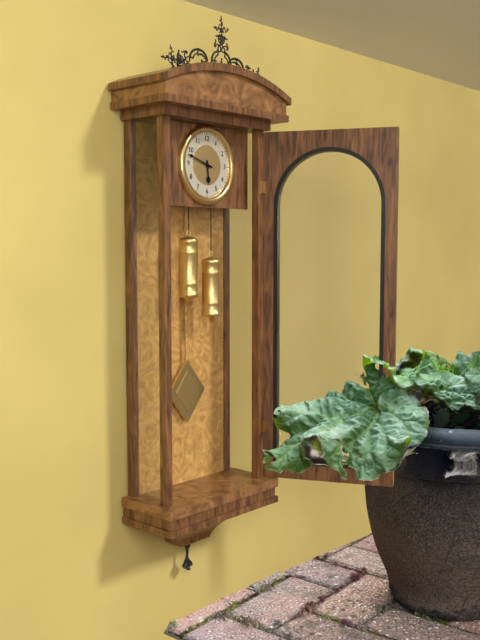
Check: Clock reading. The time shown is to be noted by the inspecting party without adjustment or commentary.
5:48
